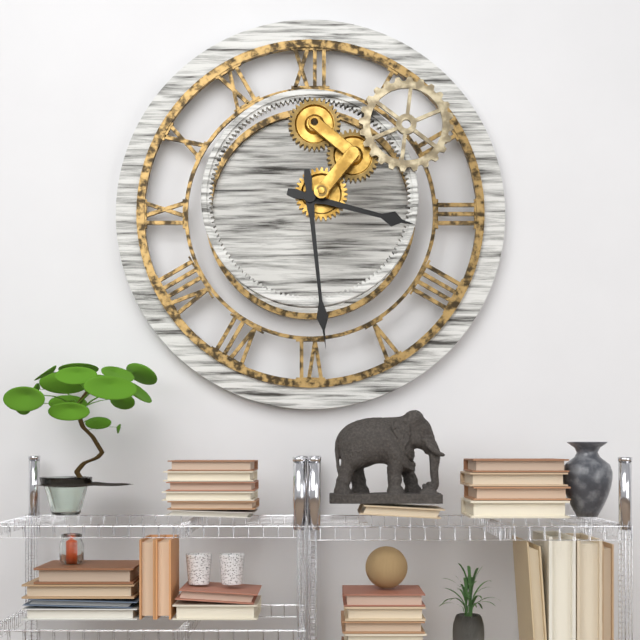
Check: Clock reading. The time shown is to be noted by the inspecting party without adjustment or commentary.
3:29
